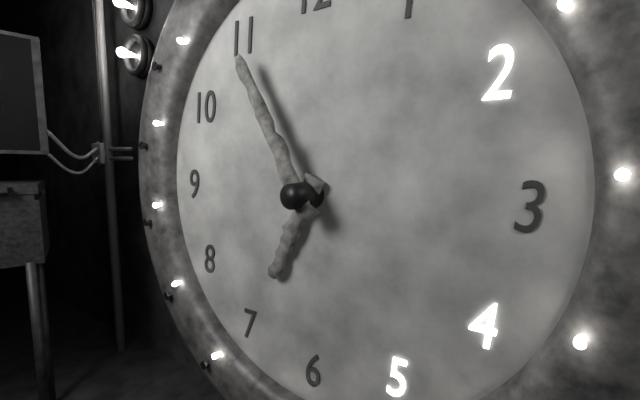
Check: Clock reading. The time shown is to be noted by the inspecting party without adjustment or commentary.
6:55
